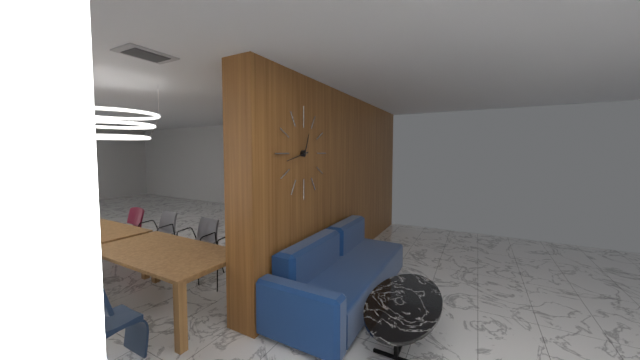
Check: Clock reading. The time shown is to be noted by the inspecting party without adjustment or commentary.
12:43
